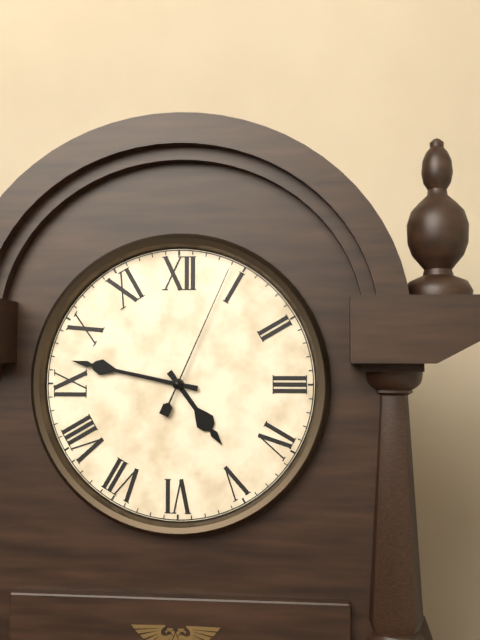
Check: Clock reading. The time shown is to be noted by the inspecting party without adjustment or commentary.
4:47:04
